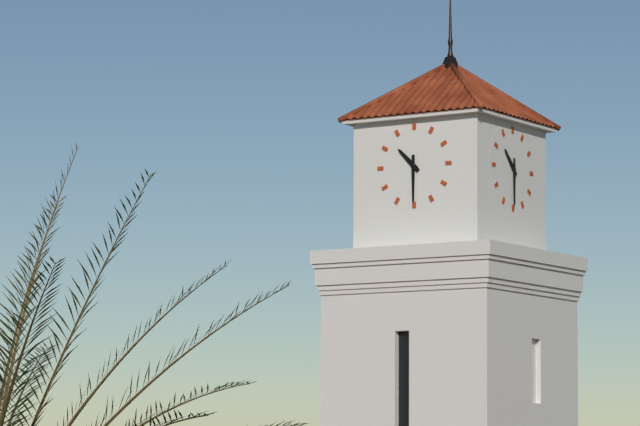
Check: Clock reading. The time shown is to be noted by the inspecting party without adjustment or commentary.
10:30
